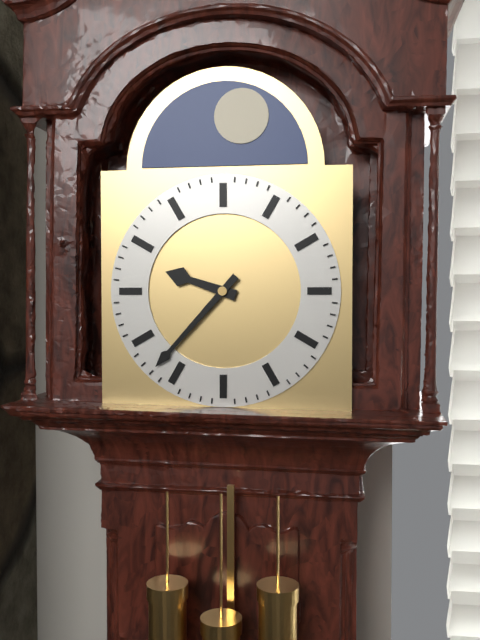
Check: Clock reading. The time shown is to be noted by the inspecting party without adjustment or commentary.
9:37
